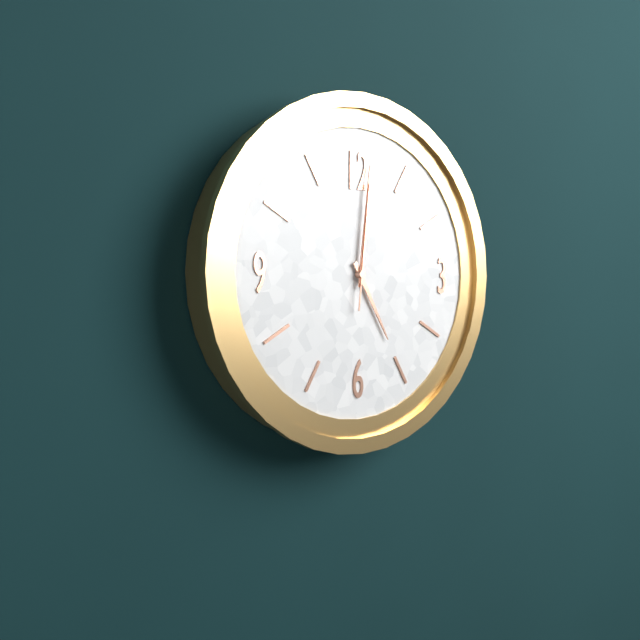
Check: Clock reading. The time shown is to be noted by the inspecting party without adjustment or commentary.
5:01:01
